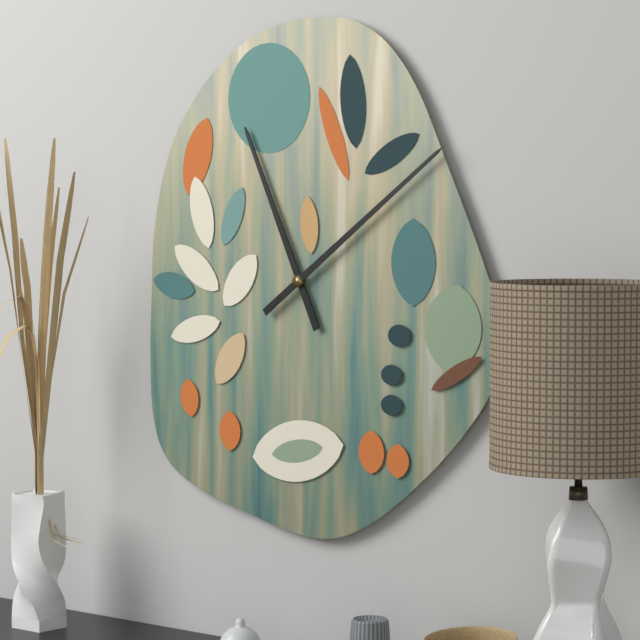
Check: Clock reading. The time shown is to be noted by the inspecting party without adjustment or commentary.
11:09
